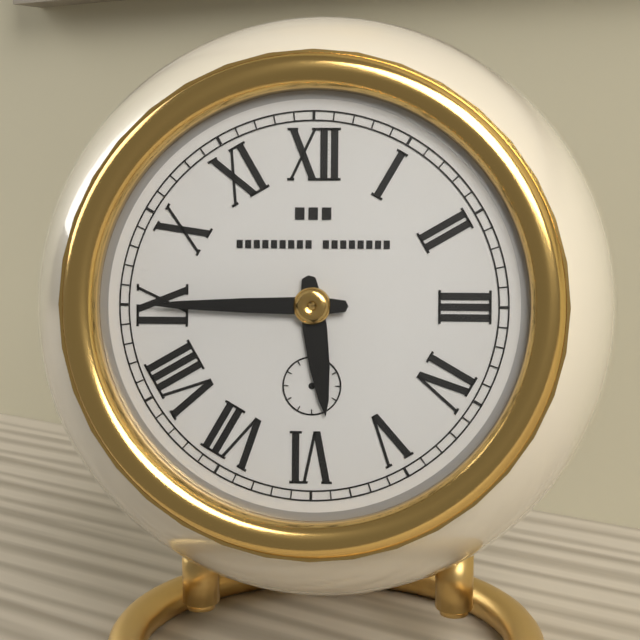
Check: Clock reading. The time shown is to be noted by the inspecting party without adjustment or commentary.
5:45
